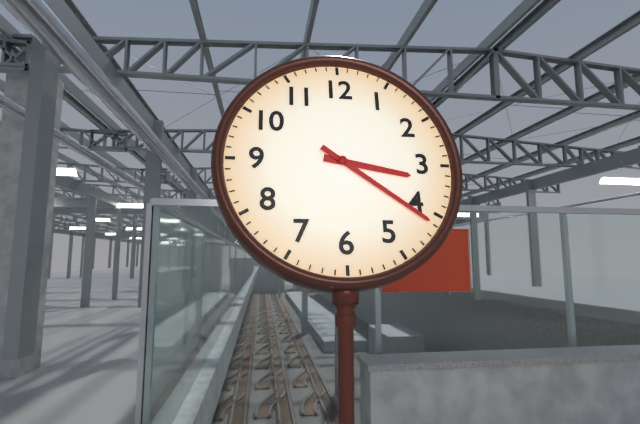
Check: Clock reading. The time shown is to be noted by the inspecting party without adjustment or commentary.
3:21
